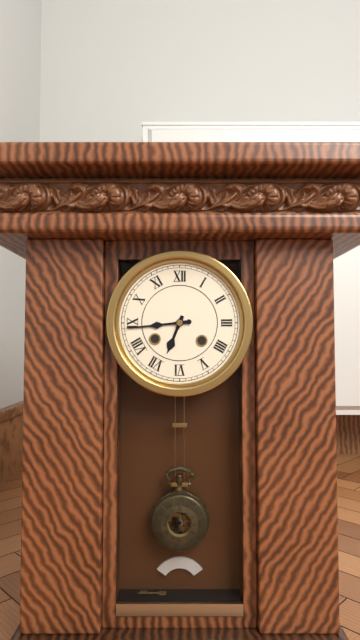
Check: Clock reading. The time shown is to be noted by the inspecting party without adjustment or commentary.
6:44
